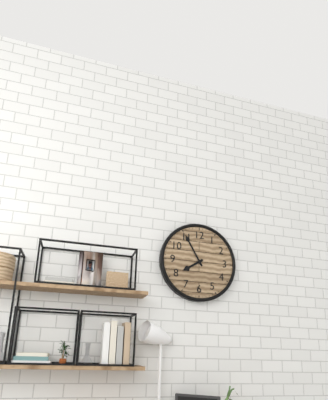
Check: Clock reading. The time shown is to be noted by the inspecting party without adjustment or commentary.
7:55
